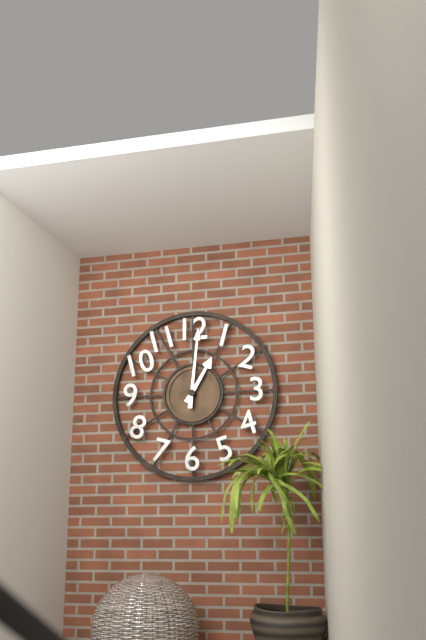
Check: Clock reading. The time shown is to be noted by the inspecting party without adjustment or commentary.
1:01
